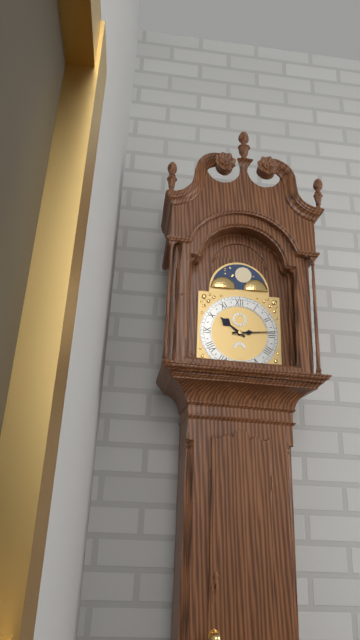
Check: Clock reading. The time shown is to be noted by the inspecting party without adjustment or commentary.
10:14
